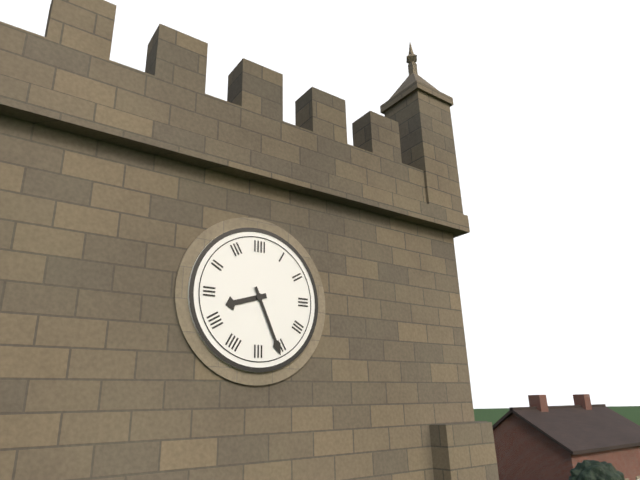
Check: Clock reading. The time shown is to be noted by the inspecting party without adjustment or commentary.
8:26
